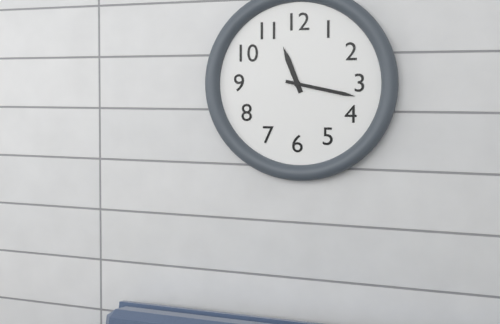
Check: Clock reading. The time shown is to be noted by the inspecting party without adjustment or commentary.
11:17
